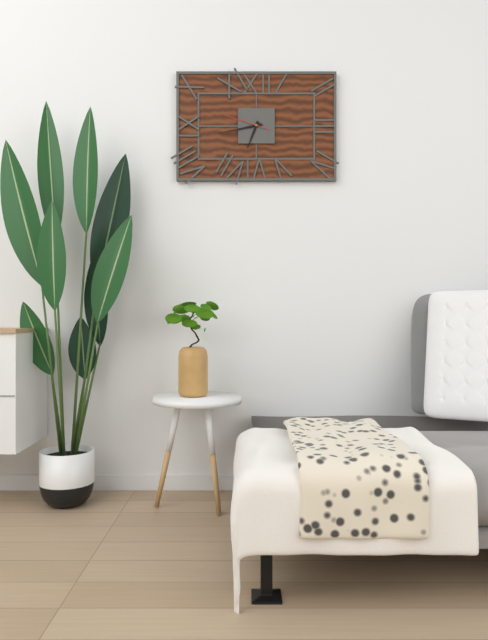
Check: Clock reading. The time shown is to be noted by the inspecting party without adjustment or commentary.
6:43
